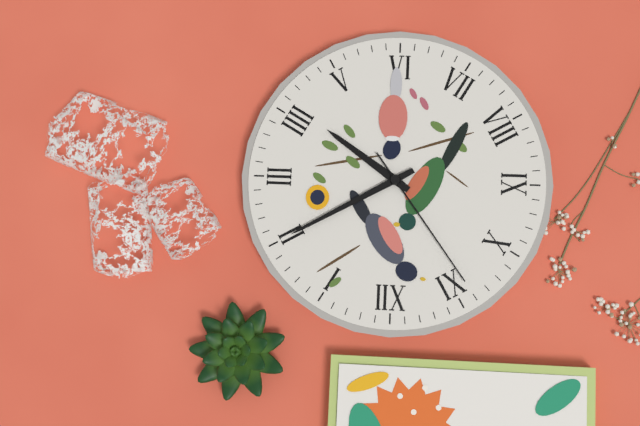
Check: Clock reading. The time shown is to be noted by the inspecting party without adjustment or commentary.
4:10:54
